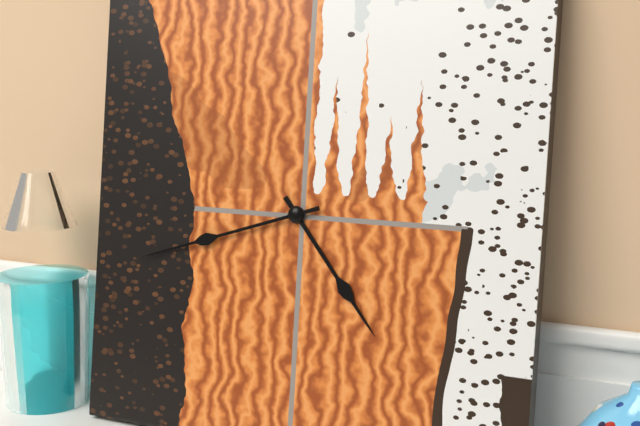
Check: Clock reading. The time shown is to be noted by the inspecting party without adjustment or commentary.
4:42
